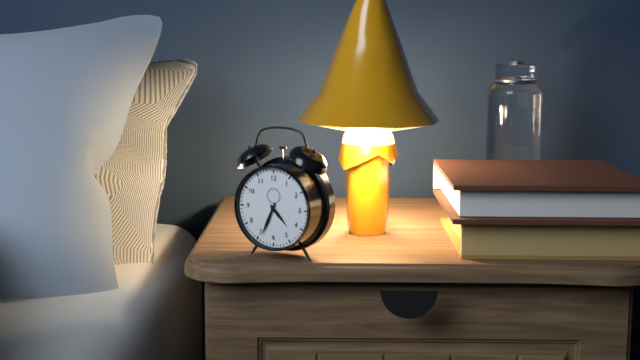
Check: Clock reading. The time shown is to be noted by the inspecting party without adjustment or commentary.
4:34
